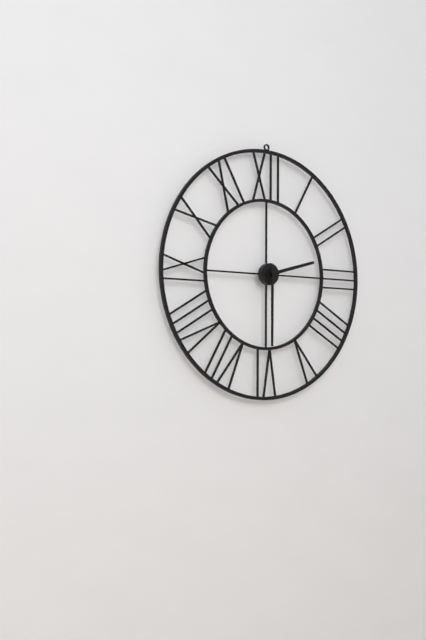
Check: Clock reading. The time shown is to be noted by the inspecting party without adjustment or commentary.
2:30
